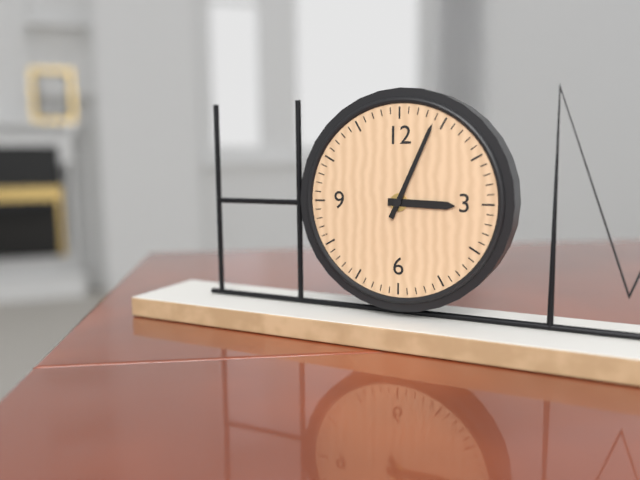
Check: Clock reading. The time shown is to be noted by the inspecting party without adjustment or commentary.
3:04
